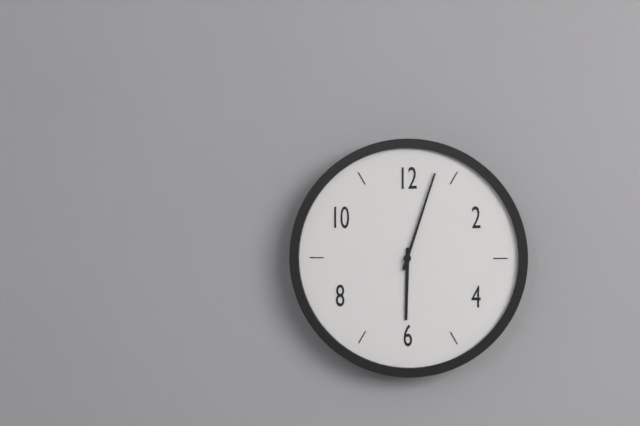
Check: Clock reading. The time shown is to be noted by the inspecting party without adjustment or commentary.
6:03
